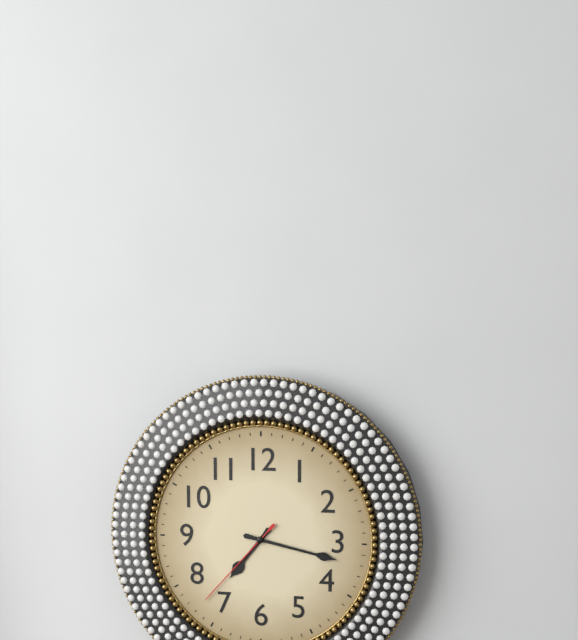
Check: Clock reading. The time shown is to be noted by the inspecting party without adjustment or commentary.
7:17:37
